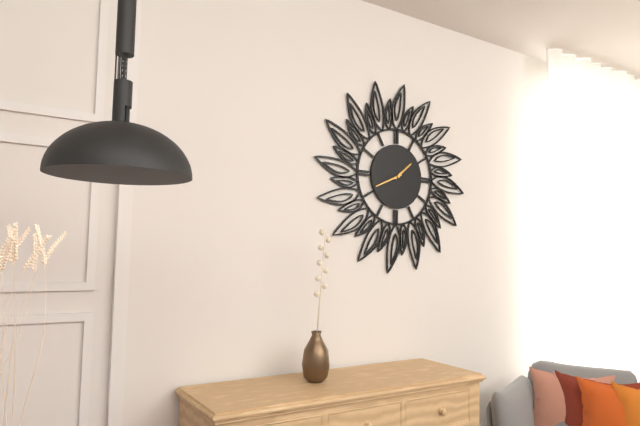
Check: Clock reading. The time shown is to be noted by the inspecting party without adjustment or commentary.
1:41
